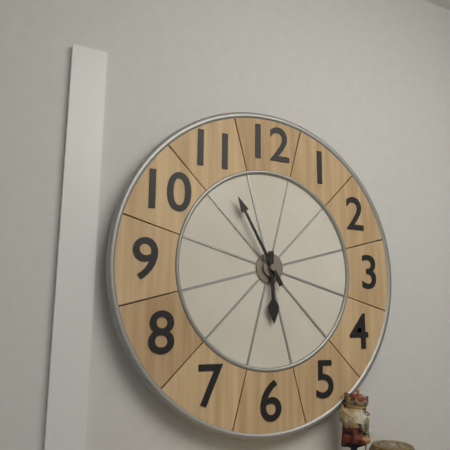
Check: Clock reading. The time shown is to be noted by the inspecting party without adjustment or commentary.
5:55
